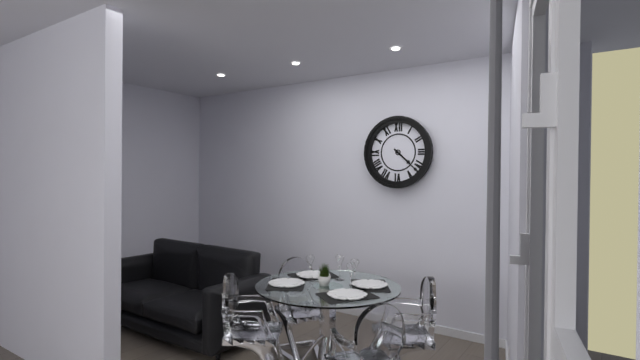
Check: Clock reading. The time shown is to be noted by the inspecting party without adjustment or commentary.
4:22
